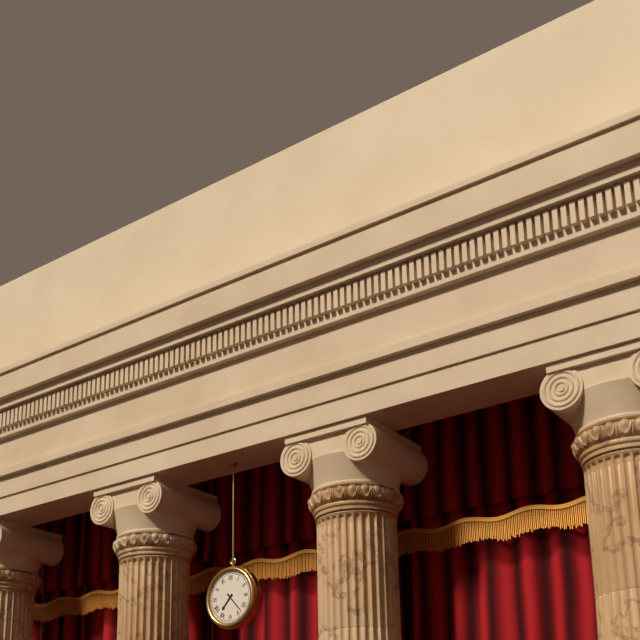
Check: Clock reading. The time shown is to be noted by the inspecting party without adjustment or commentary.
7:23
